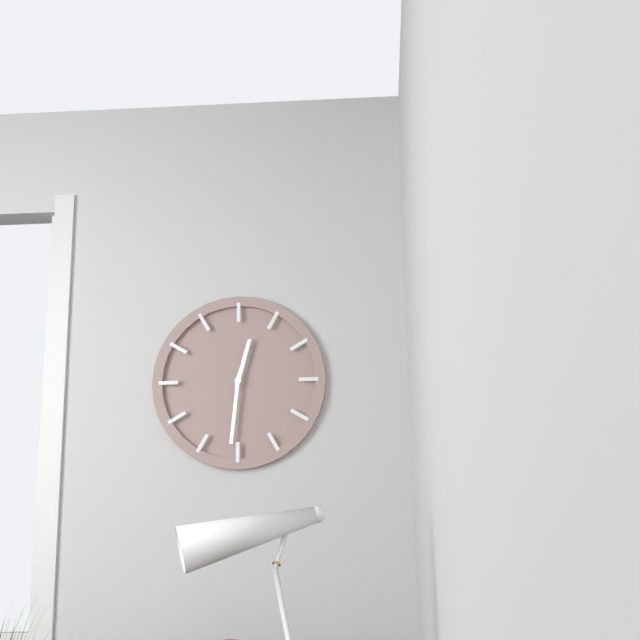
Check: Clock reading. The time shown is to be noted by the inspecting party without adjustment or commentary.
12:31
